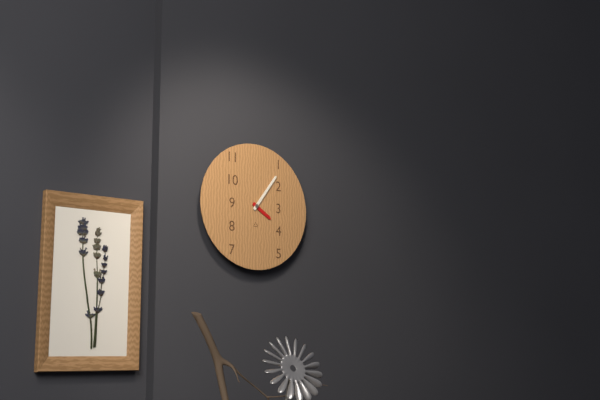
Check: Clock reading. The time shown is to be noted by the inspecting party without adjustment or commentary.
4:06
